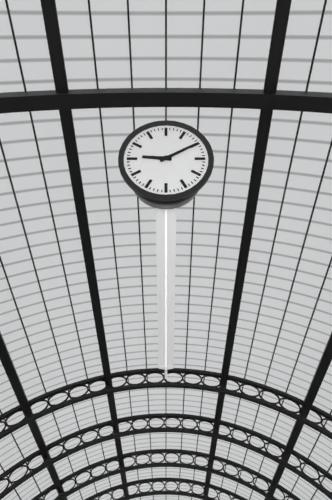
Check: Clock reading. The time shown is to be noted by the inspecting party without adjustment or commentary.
9:10
